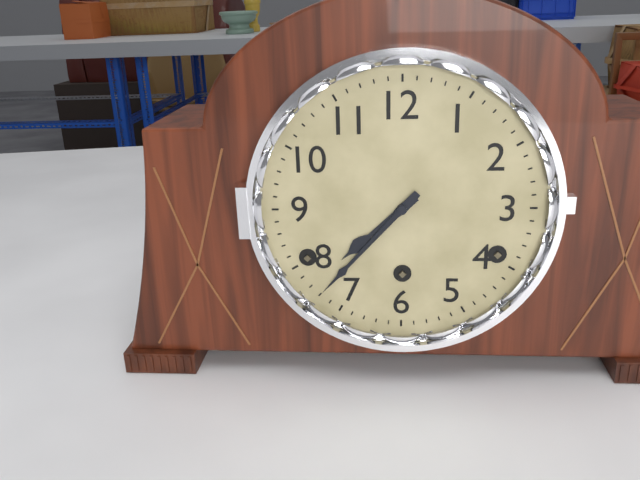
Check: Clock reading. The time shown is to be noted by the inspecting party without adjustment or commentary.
7:37
